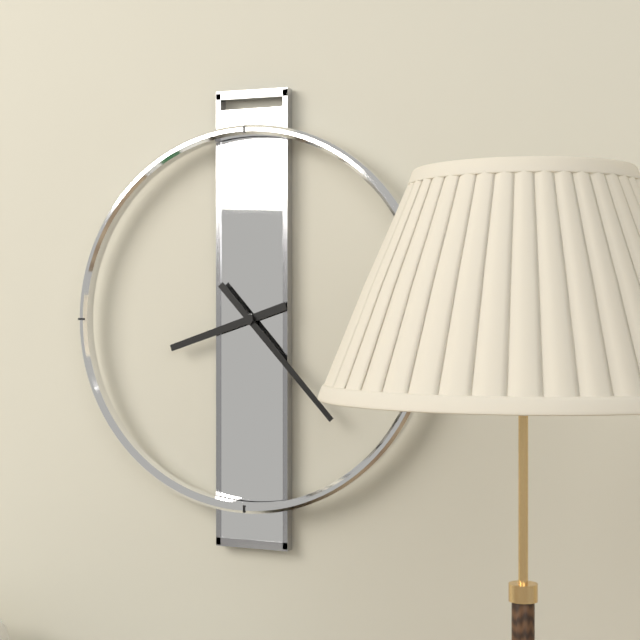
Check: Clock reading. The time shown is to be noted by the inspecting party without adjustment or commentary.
8:23
